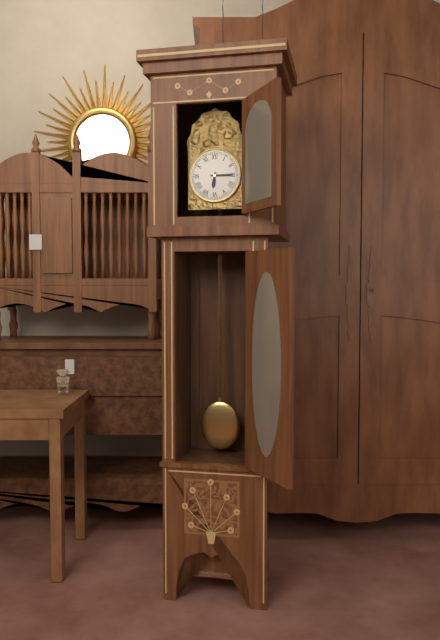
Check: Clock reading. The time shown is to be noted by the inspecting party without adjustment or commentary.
6:15
